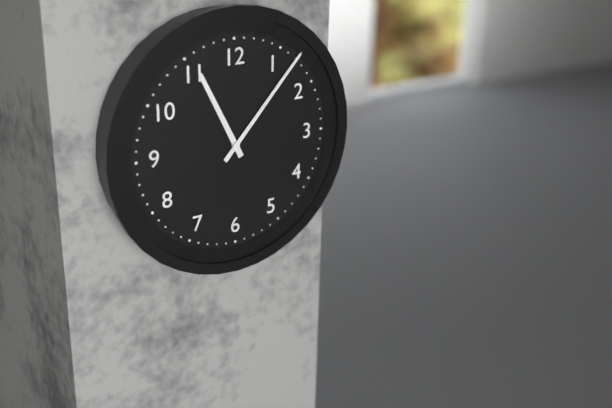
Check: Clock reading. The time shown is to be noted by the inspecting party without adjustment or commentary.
11:07
